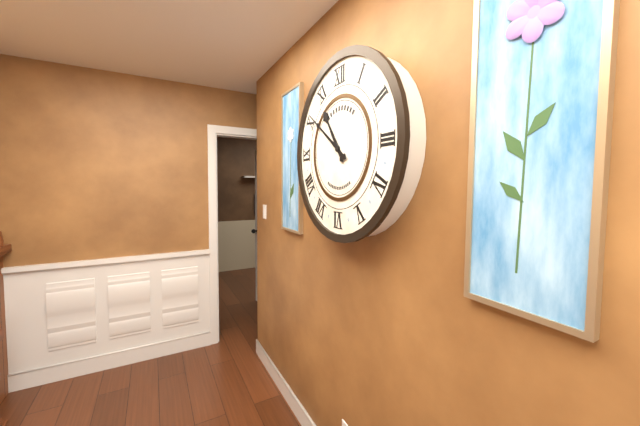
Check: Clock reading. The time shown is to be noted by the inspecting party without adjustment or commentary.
10:51
